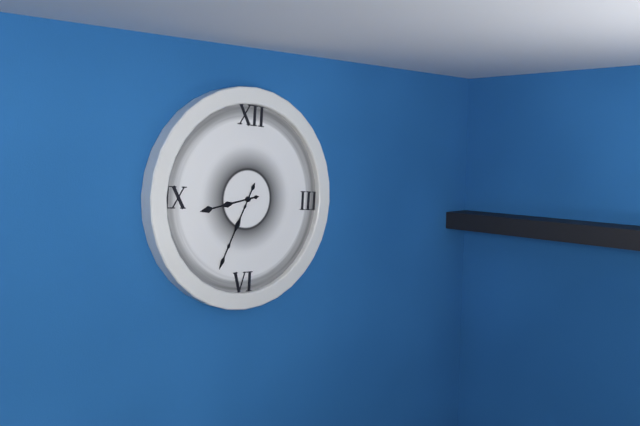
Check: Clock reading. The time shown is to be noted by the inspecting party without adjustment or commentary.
8:34
